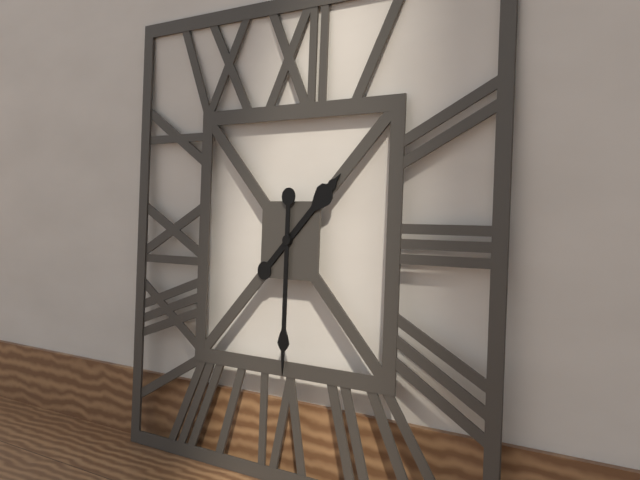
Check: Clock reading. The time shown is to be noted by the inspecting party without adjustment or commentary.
1:30
